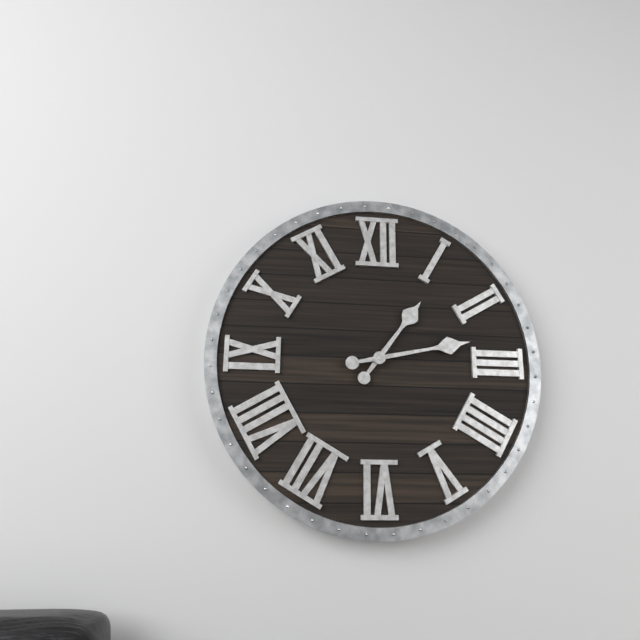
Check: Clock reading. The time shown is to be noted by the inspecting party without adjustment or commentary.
1:13
